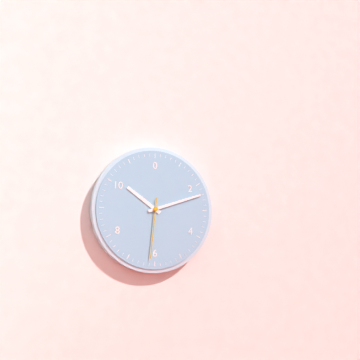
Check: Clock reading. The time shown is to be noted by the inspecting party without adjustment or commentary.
10:12:31
